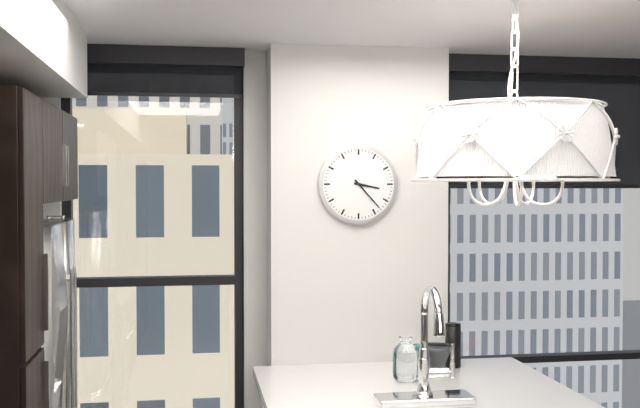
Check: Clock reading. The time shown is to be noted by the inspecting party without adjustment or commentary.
3:23
